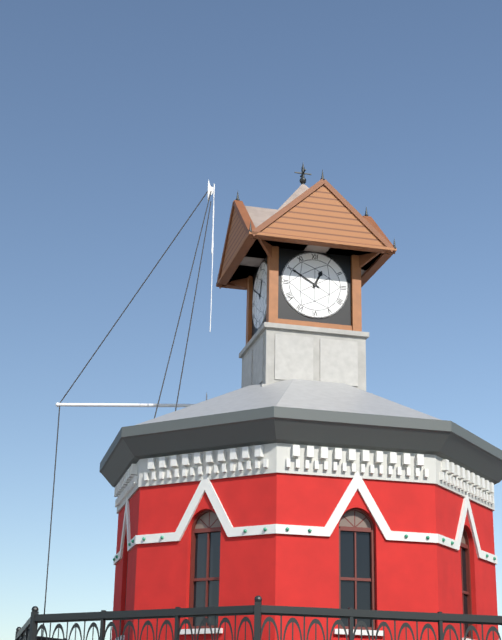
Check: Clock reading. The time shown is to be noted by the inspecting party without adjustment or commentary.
12:50
